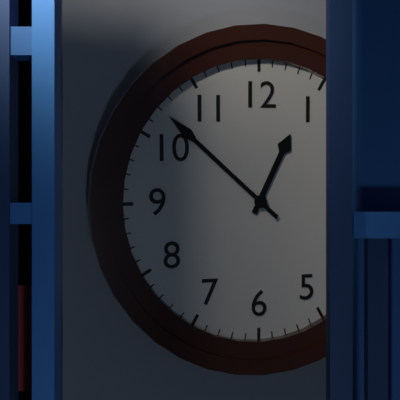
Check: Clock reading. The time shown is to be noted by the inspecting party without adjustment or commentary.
12:52
